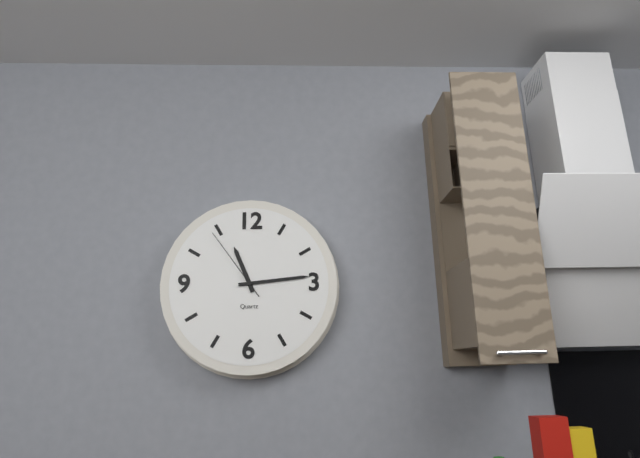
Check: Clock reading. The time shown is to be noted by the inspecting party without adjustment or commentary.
11:14:54
